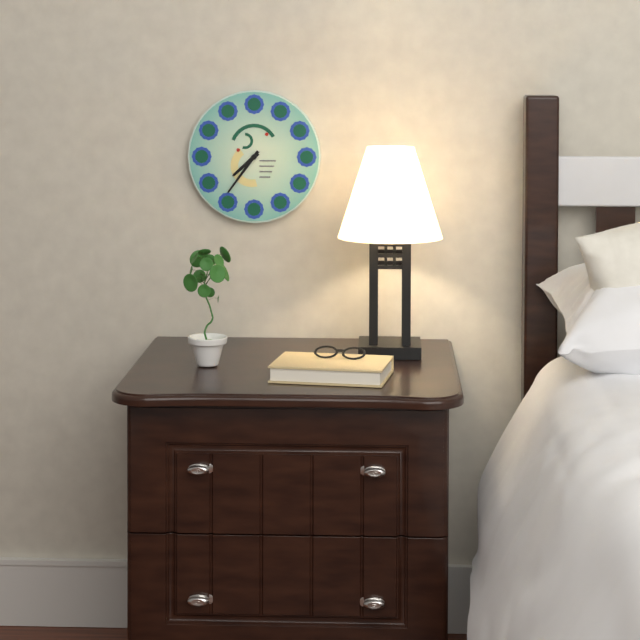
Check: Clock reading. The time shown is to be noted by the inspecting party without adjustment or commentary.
7:36
